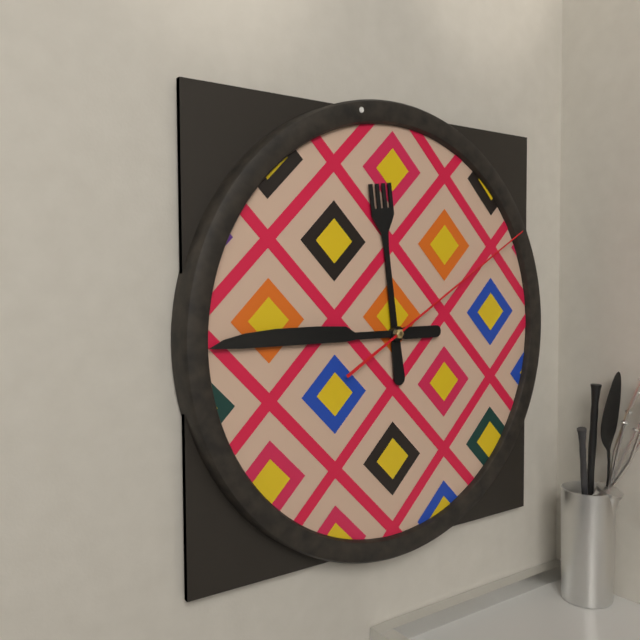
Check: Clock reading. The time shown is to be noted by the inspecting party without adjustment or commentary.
11:45:10
